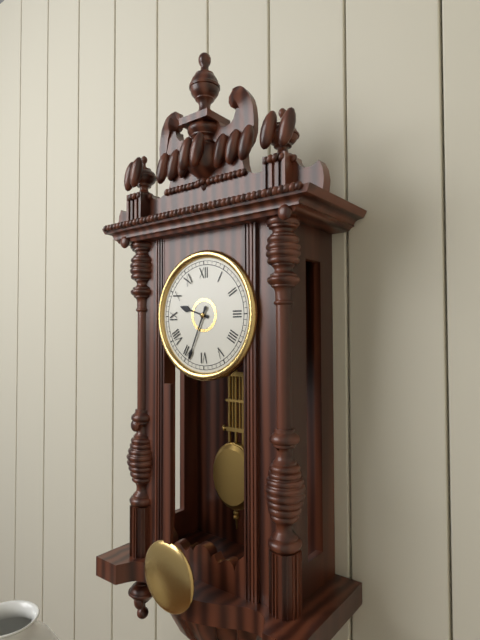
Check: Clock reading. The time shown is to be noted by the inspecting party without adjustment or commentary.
9:34
